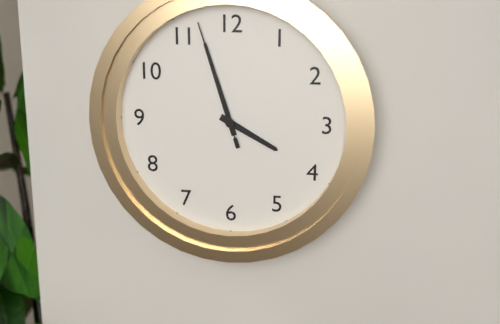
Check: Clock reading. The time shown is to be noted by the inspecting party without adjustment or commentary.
3:57:57
